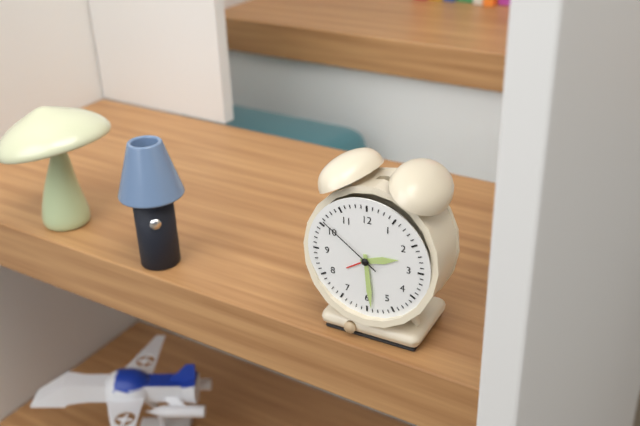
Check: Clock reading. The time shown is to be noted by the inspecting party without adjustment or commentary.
2:29:51
